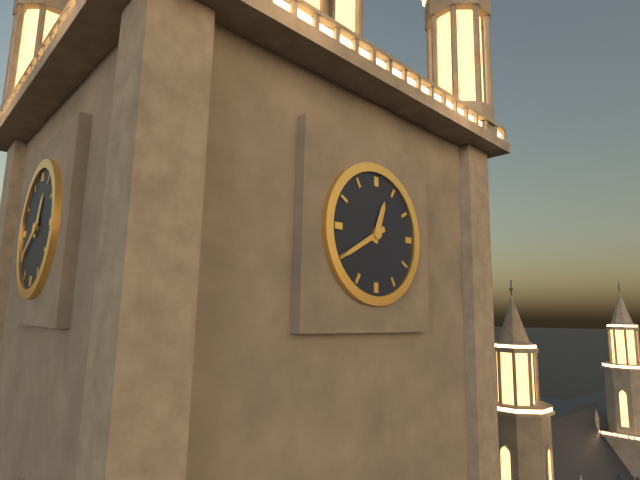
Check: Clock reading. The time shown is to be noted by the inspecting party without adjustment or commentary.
12:40
